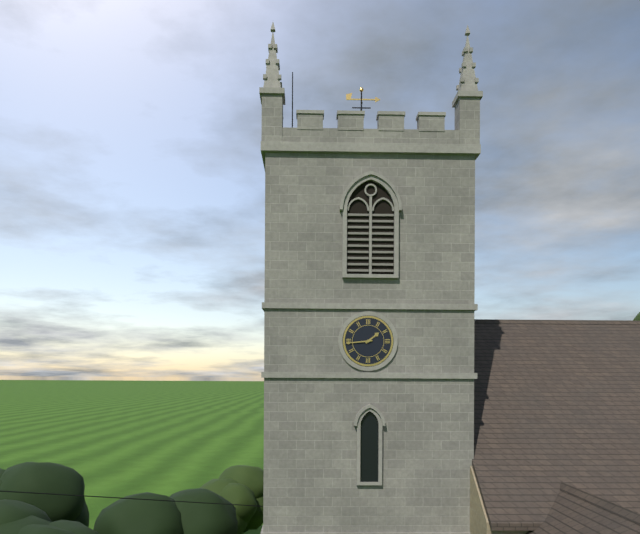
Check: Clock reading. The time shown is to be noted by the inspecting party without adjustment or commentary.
1:44
